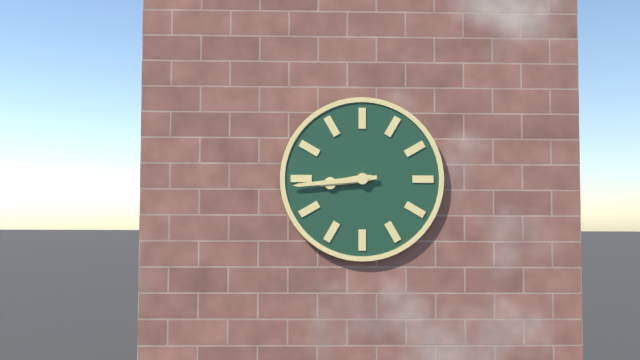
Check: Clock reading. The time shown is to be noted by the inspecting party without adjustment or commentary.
8:44
